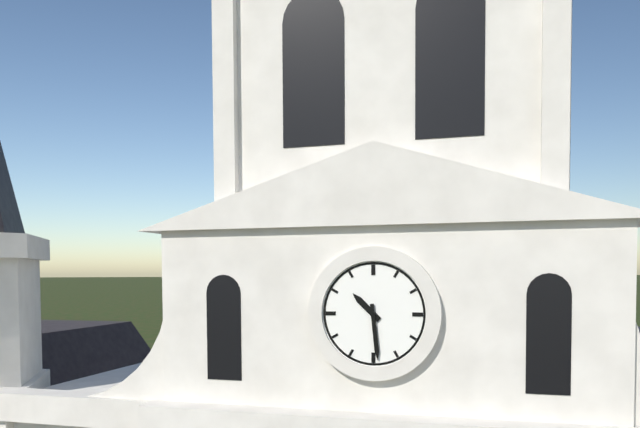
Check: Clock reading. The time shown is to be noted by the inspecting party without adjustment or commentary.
10:29
